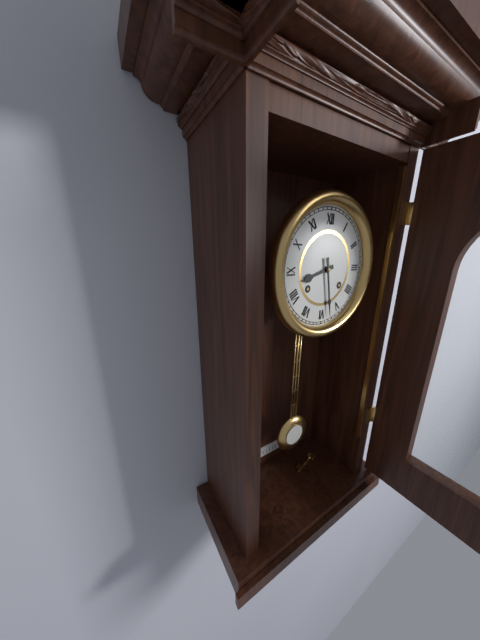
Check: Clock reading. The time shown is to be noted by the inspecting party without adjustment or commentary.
8:28
